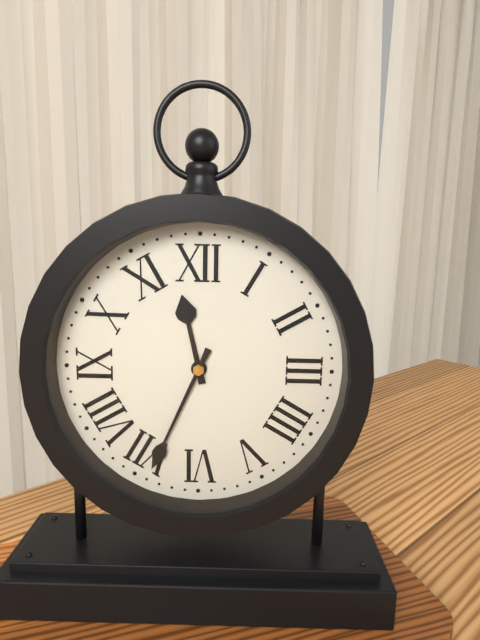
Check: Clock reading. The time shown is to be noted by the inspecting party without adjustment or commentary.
11:34
